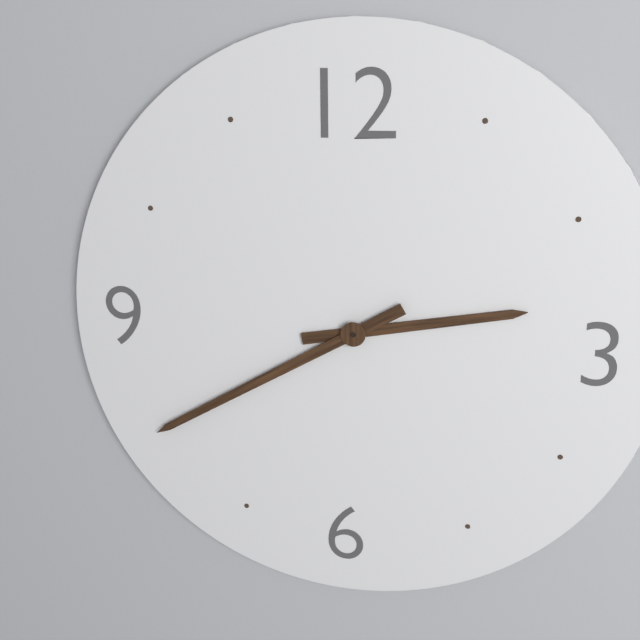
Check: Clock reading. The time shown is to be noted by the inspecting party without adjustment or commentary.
2:40
